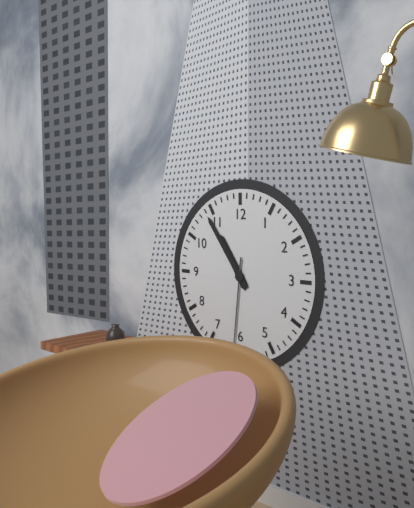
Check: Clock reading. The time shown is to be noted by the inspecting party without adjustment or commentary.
10:54:31
